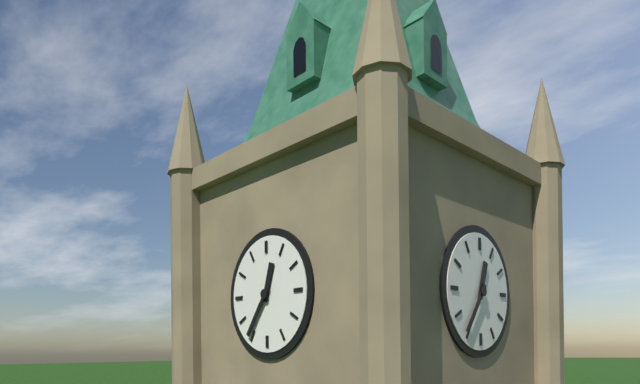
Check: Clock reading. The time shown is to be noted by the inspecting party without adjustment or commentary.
12:36
